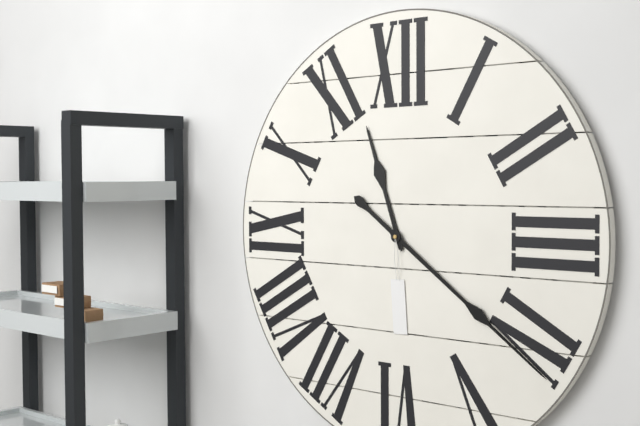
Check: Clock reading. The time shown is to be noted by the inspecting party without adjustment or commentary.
11:21
